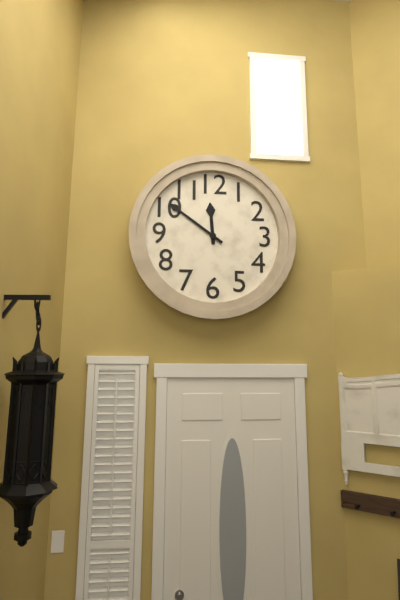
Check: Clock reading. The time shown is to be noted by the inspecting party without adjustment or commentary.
11:51
